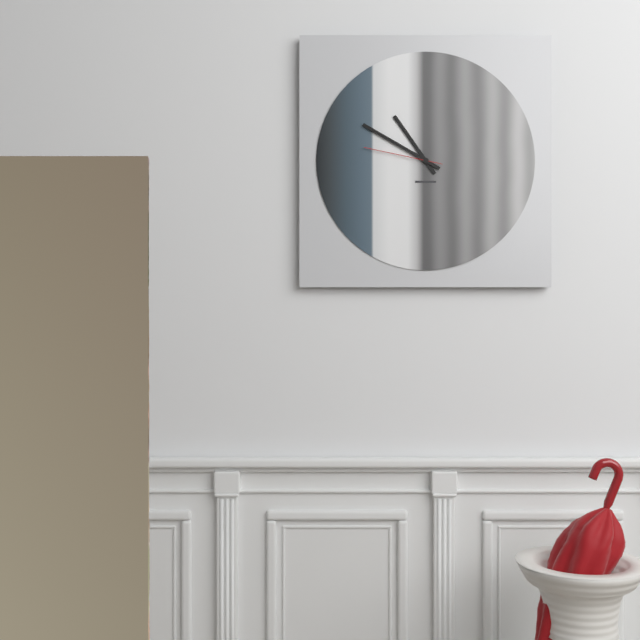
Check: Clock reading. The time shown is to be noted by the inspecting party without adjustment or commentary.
10:50:47
